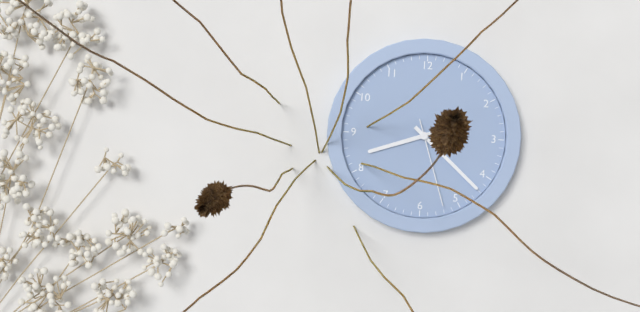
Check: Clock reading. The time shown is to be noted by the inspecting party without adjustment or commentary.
8:22:27
